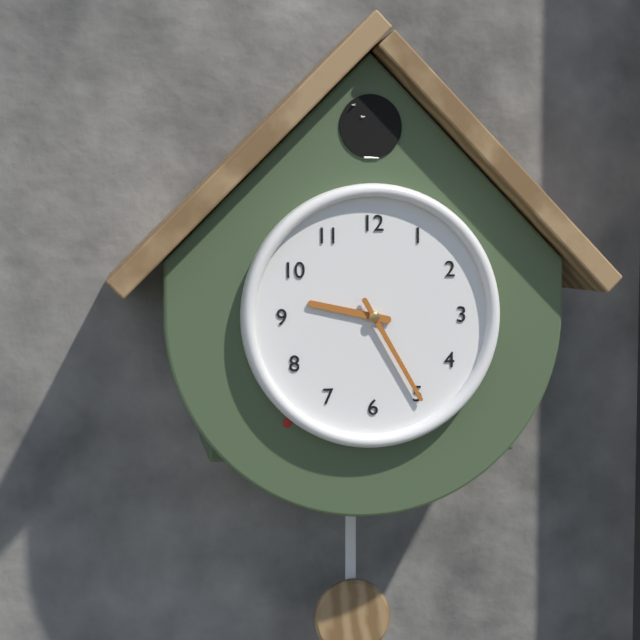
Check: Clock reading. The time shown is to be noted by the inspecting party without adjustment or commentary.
9:25
